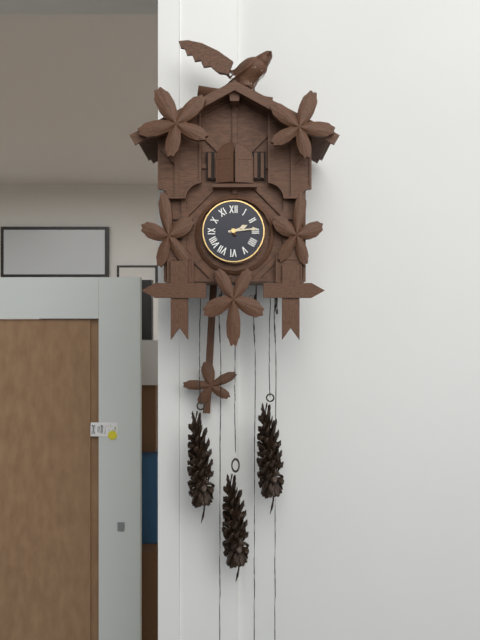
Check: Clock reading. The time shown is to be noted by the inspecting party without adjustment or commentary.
2:14
